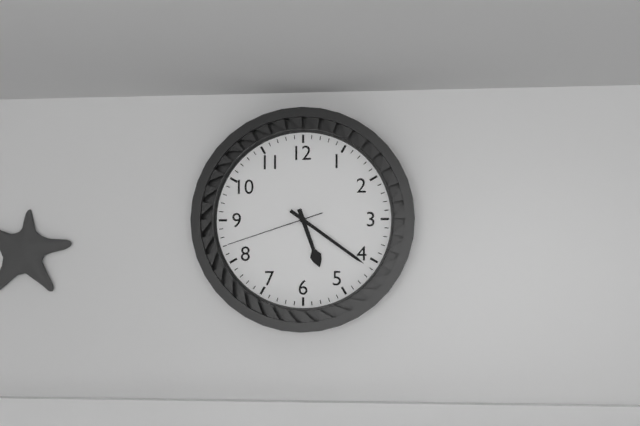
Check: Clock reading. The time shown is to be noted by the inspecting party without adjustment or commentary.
5:21:42
